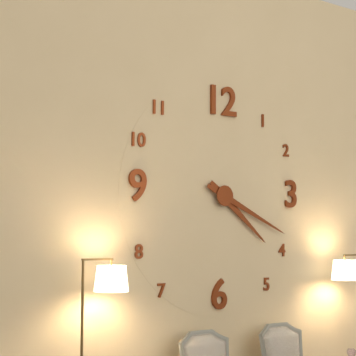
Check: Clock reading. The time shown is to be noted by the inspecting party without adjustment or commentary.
4:19
